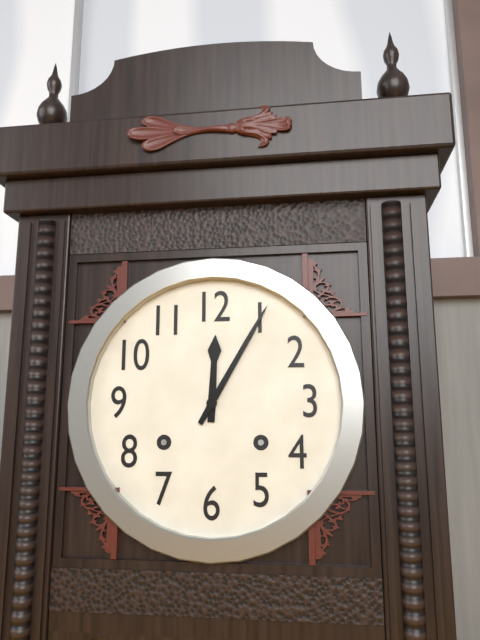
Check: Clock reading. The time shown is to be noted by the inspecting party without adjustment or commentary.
12:05
